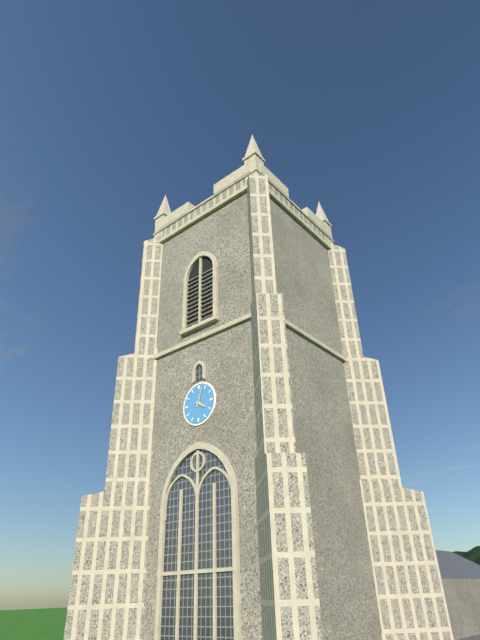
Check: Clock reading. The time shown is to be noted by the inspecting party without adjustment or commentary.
4:03
